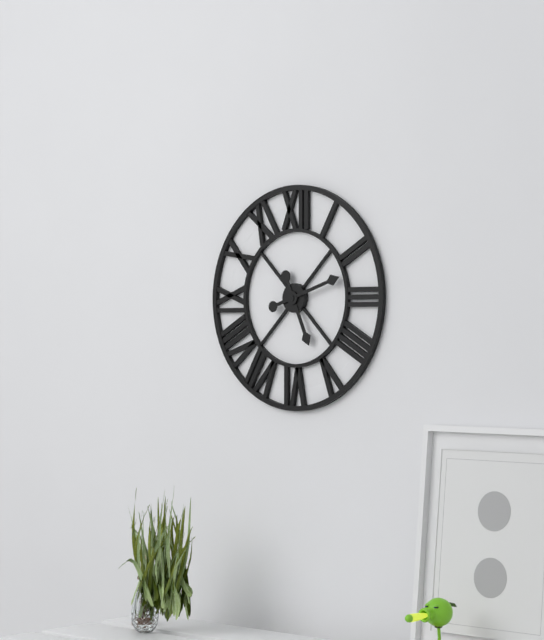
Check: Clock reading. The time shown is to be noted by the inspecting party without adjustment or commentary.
5:12
